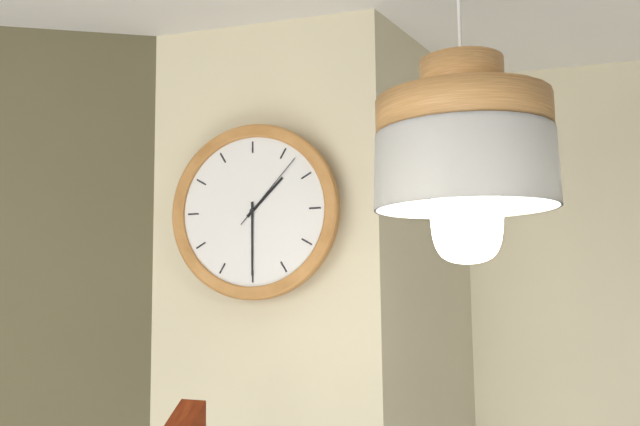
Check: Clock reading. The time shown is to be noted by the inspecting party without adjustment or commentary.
1:30:07
